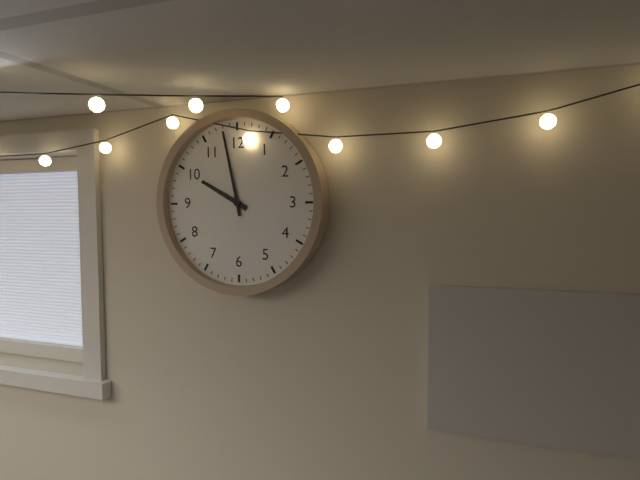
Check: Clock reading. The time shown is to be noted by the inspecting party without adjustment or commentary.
9:58
